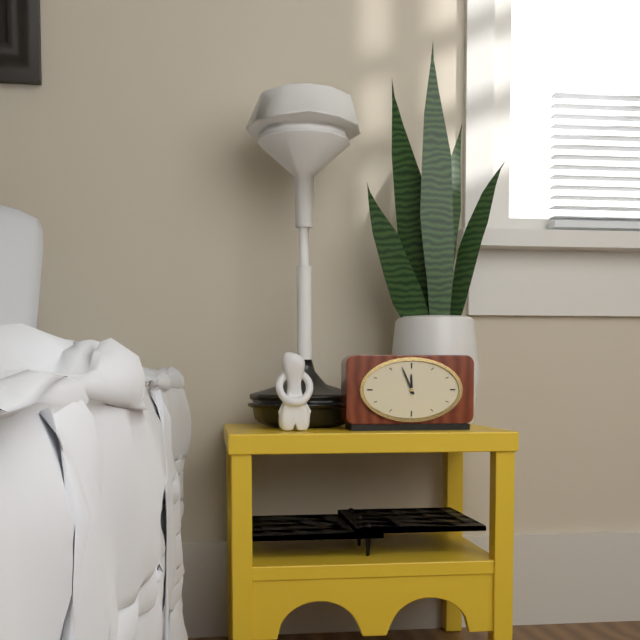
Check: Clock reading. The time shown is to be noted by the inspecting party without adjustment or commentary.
11:56
